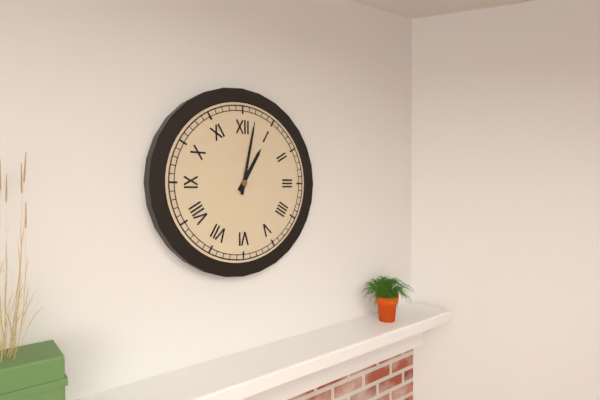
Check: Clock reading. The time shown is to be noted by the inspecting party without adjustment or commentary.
1:02
